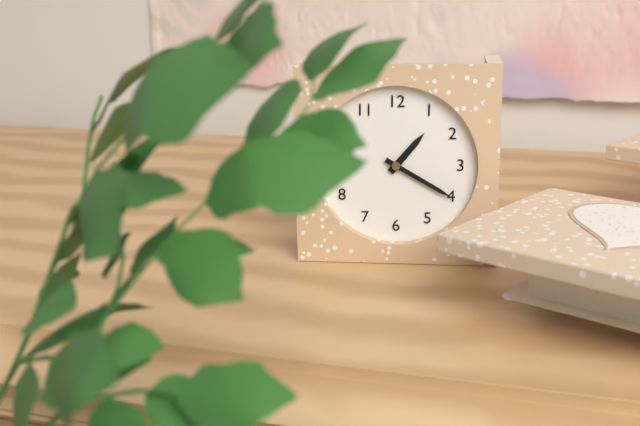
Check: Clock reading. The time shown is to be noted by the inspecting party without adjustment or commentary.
1:20
